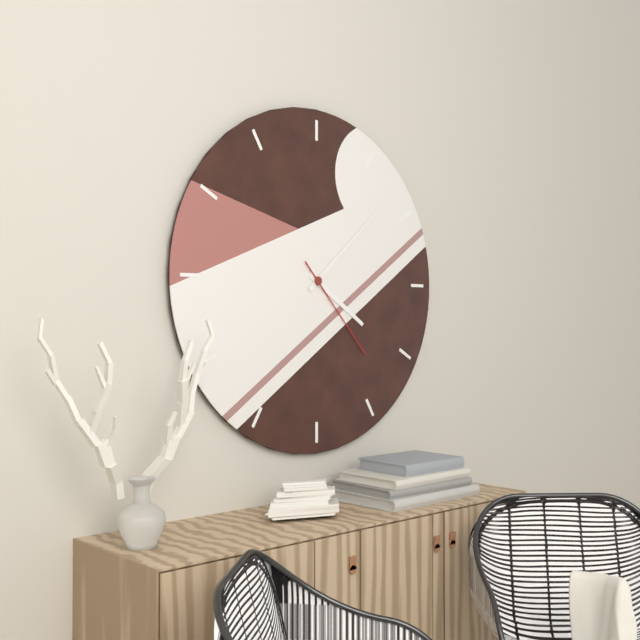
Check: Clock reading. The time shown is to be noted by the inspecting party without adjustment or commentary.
4:08:23
